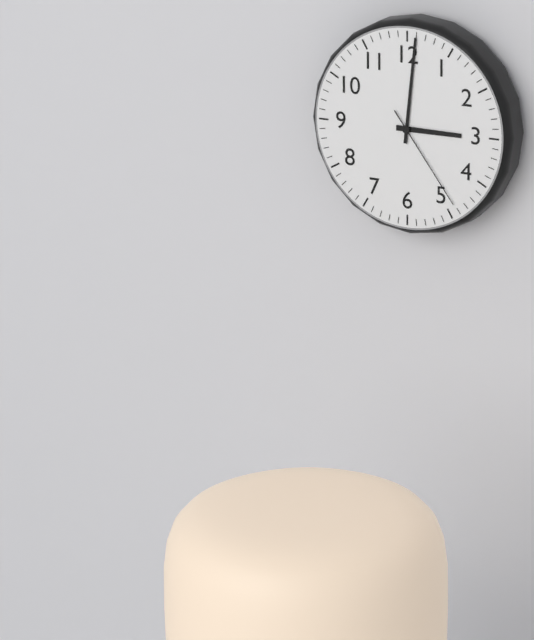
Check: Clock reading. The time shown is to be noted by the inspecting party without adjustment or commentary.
3:01:24
